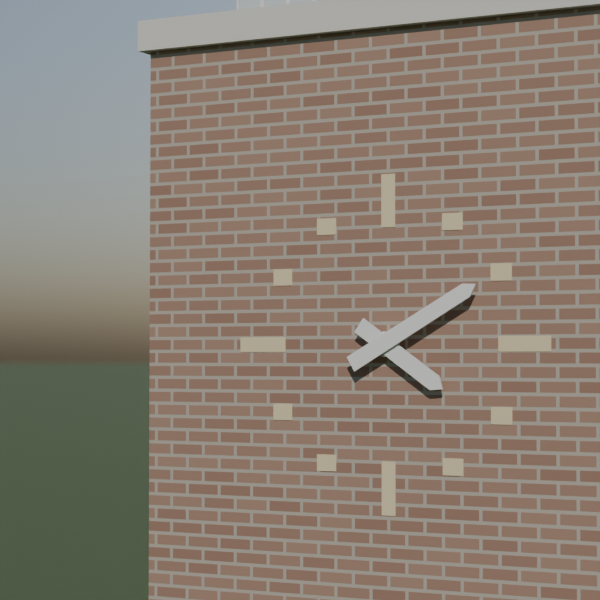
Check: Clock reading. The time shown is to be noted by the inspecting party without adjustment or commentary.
4:10
